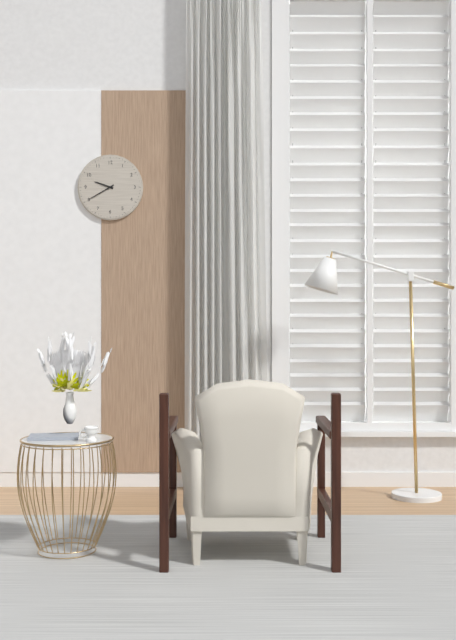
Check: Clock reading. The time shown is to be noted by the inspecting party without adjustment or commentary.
9:40
